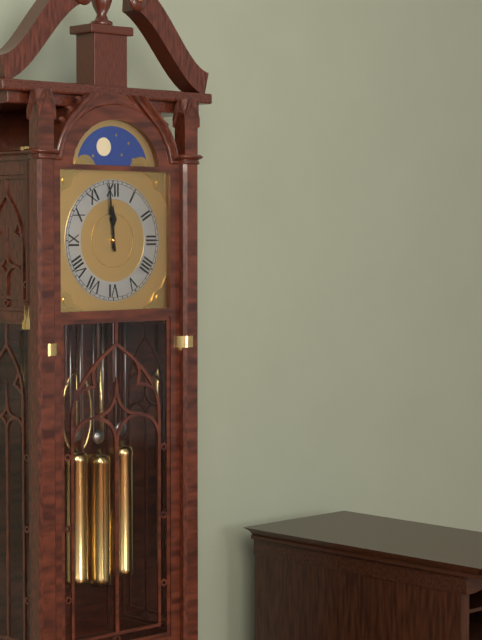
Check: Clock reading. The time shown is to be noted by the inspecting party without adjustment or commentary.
11:59
